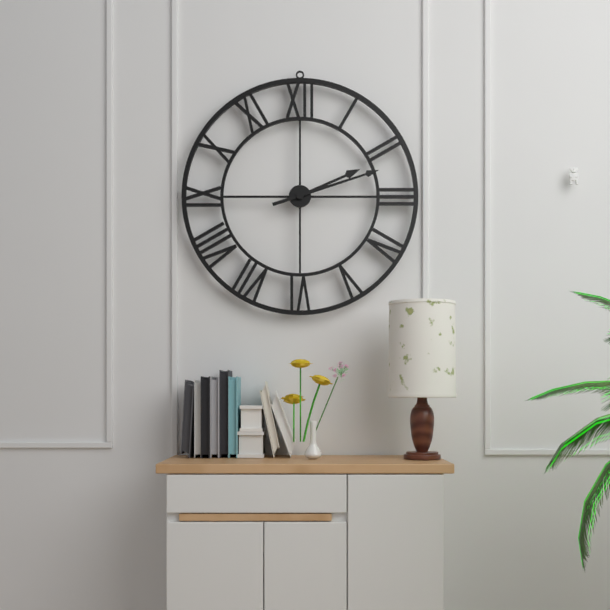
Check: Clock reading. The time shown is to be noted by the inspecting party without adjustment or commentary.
2:12
